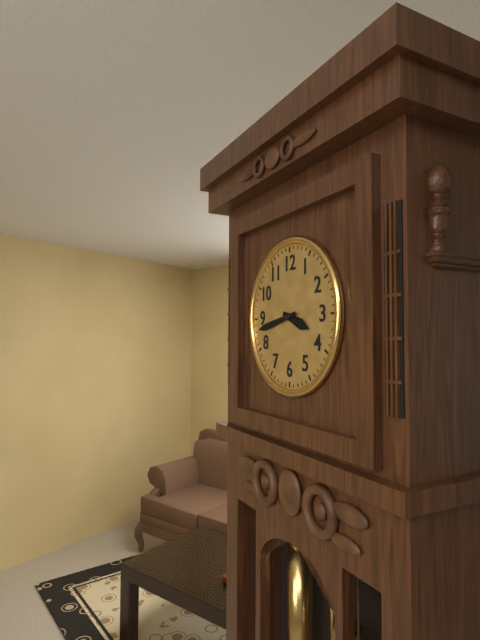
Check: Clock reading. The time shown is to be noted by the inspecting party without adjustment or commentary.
3:43
